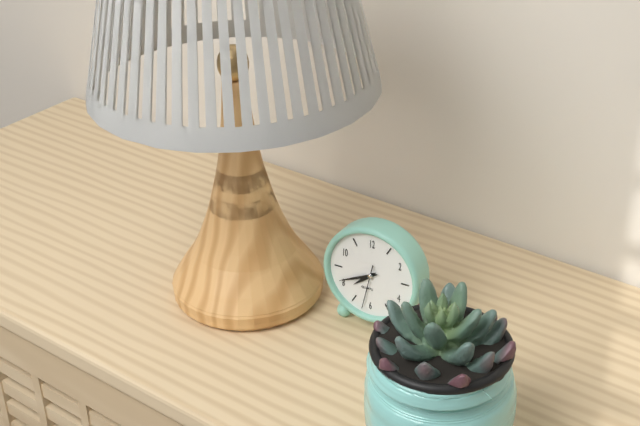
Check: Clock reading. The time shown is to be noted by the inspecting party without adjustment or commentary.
7:41
